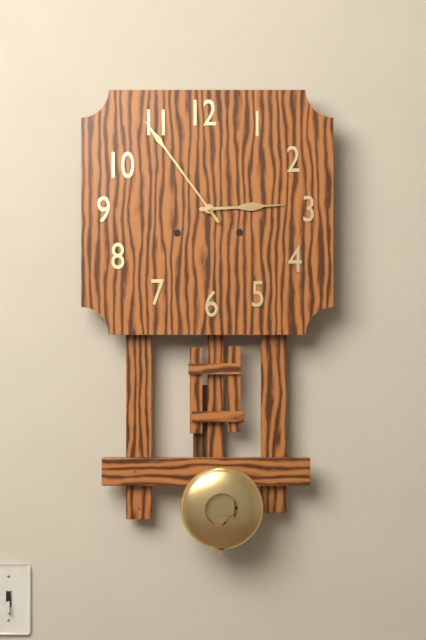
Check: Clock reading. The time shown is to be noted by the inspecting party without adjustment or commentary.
2:54
